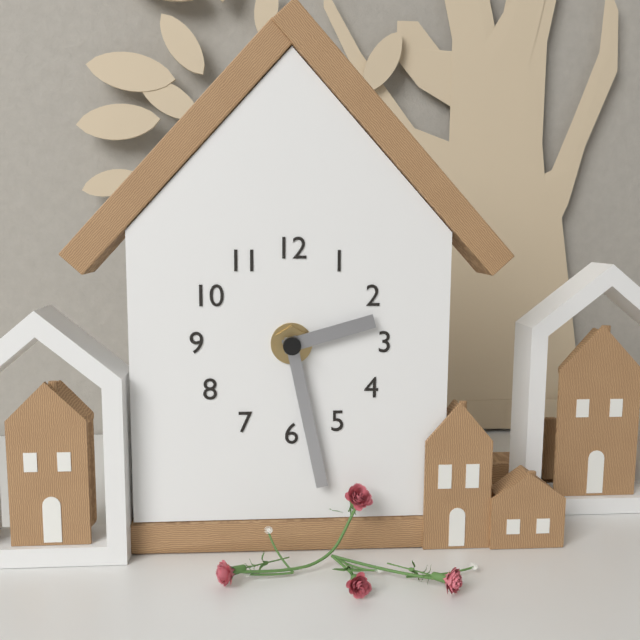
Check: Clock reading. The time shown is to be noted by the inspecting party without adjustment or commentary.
2:28
